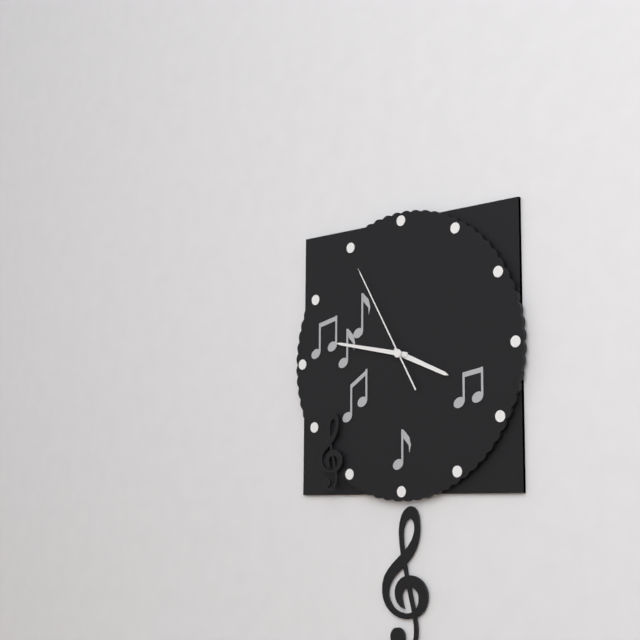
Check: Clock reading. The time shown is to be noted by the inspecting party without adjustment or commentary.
3:47:55
